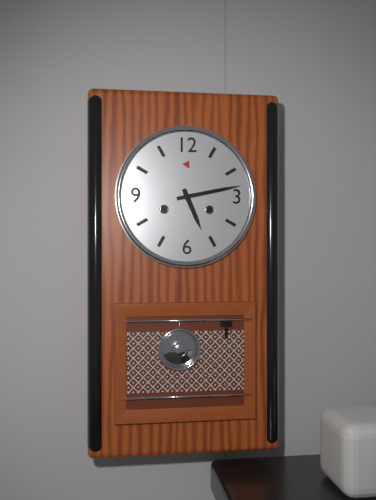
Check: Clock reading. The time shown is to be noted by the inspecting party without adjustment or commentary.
5:13
